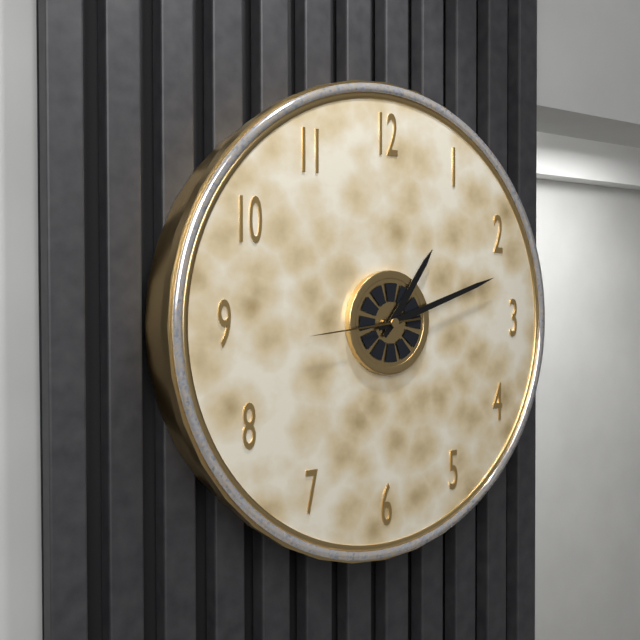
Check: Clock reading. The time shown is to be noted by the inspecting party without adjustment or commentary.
1:12:44
